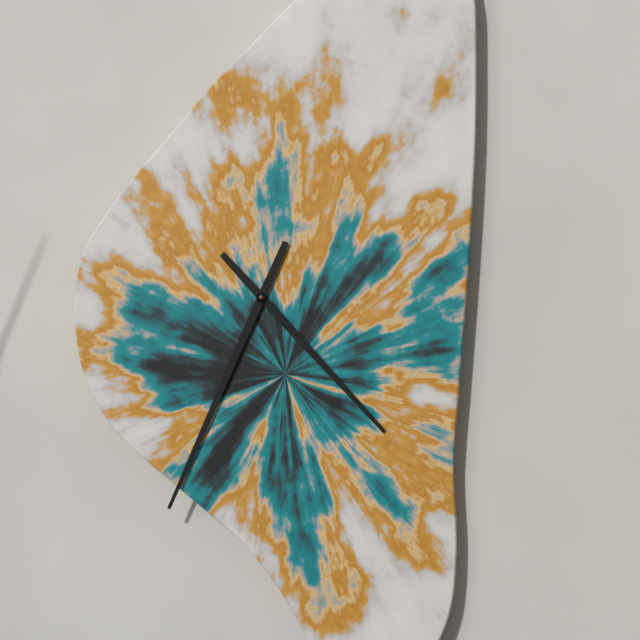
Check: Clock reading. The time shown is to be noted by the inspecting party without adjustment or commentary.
4:34
